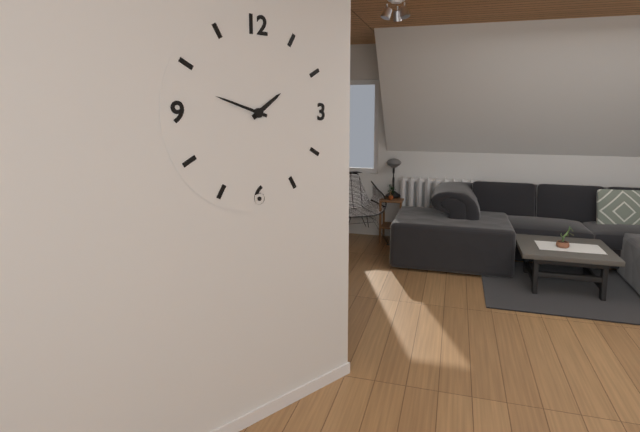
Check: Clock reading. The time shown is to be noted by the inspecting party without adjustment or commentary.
1:48
